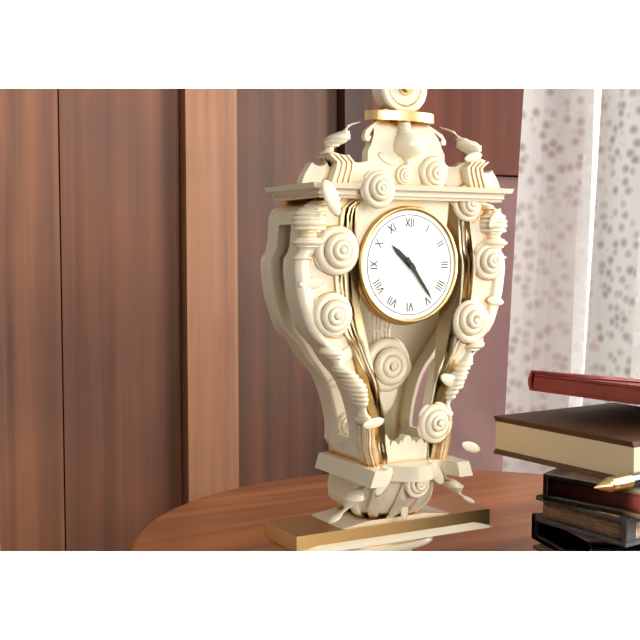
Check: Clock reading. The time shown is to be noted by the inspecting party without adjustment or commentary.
10:24
